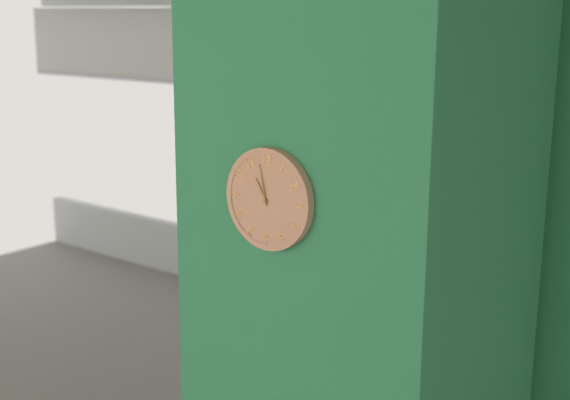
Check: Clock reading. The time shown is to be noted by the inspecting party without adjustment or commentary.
10:58
